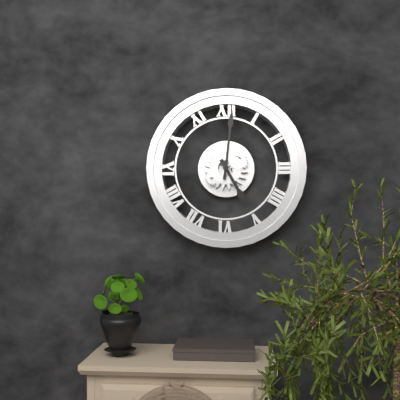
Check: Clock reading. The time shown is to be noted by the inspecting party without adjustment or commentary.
5:01
